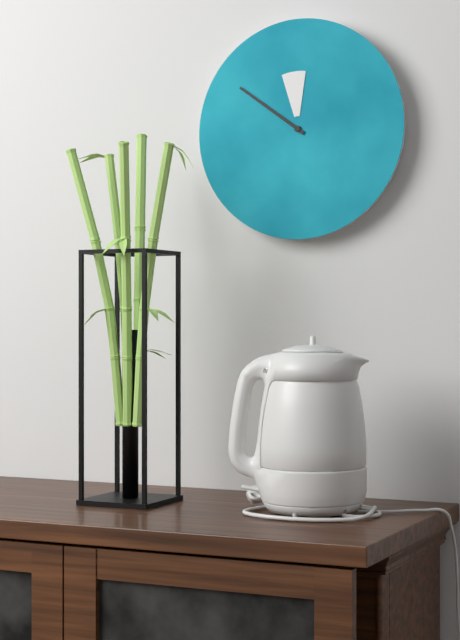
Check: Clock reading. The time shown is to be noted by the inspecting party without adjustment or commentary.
11:51
